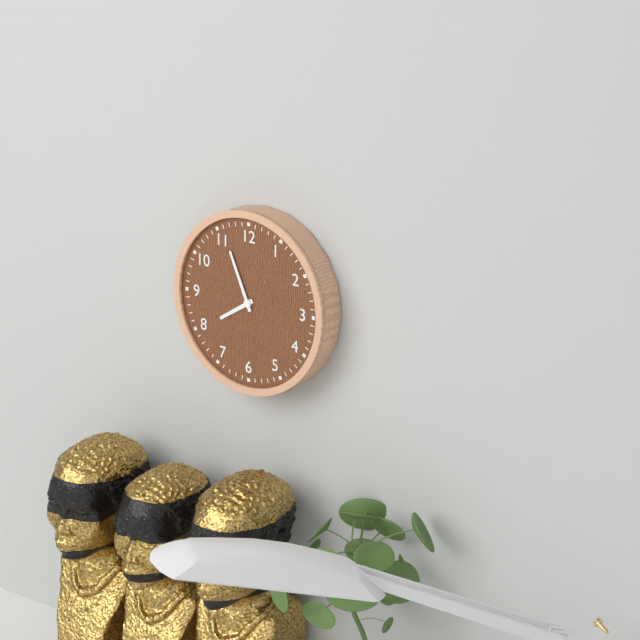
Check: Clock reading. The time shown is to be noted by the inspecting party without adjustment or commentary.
7:56
